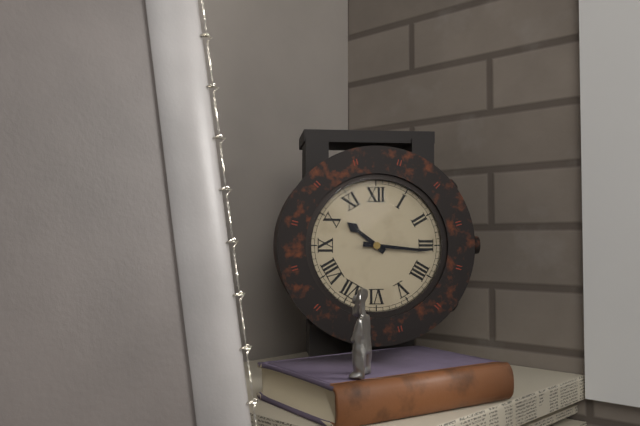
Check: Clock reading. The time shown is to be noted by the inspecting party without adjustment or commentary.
10:16
